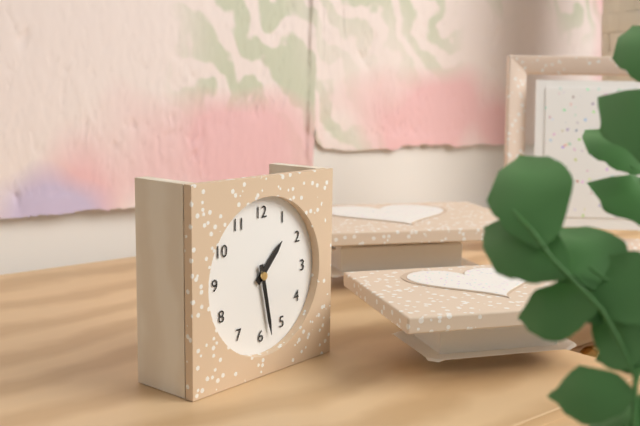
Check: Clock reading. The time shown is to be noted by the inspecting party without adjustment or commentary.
1:28
